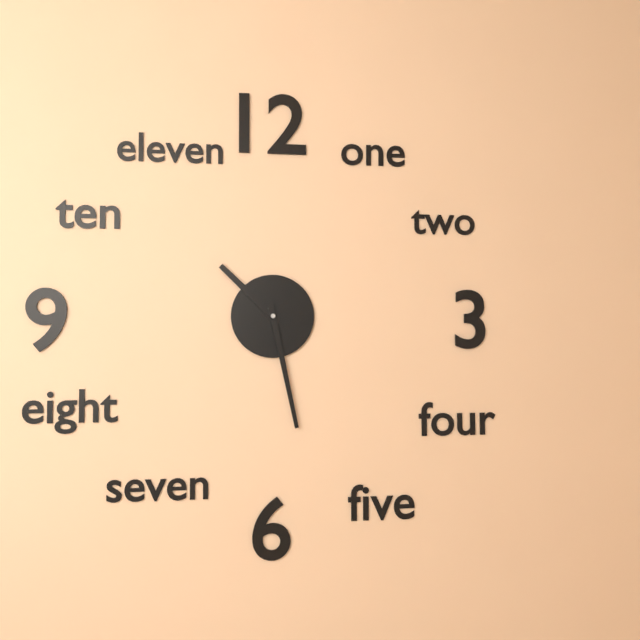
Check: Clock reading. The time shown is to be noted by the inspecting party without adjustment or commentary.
10:28
